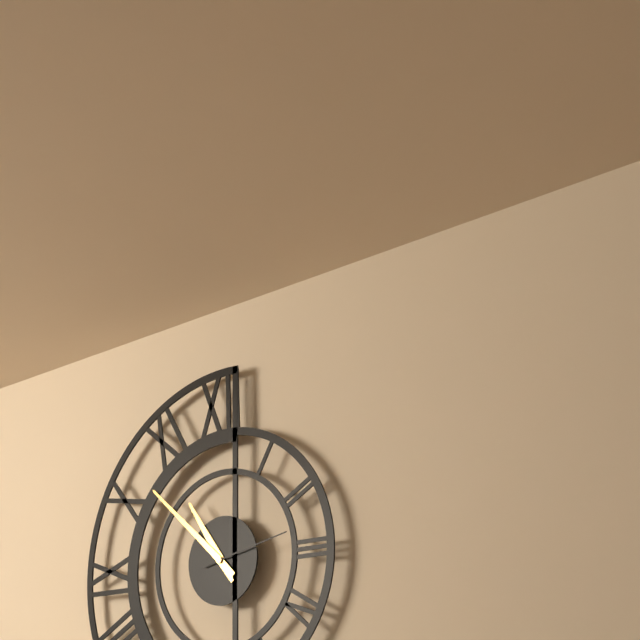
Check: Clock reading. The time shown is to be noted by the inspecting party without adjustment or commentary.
10:52:13
